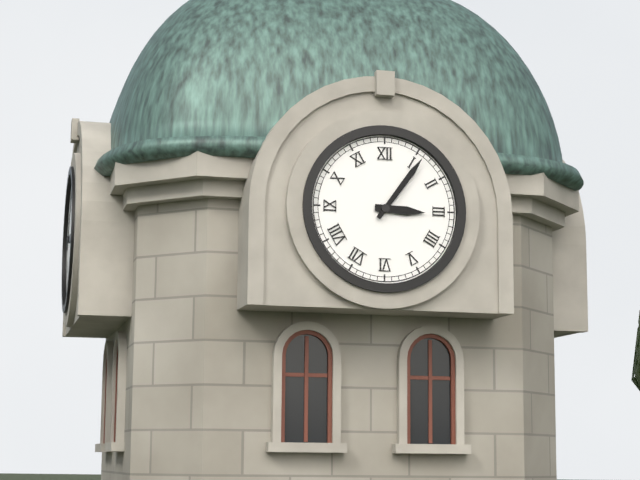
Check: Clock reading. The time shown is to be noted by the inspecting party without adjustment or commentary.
3:06
